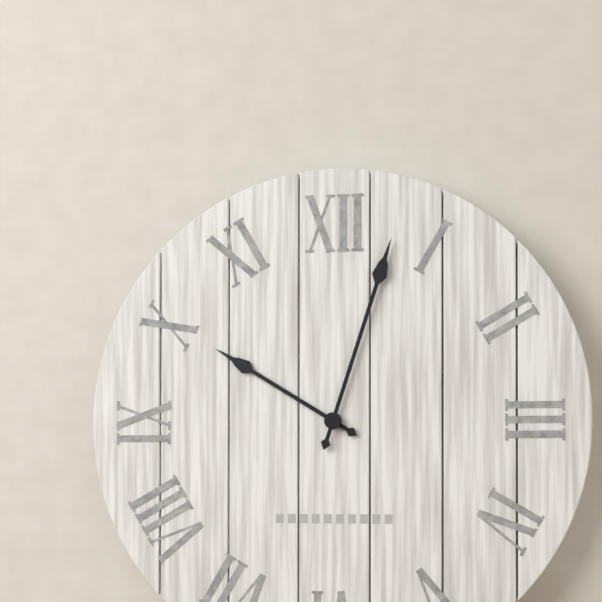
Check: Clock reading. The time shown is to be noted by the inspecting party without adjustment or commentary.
10:03
